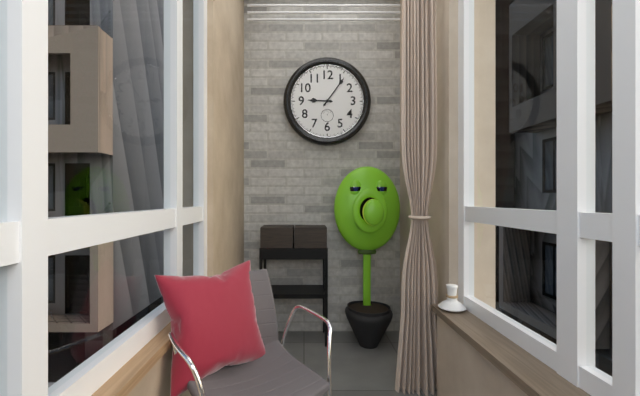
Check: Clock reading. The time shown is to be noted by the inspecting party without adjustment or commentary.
9:06
